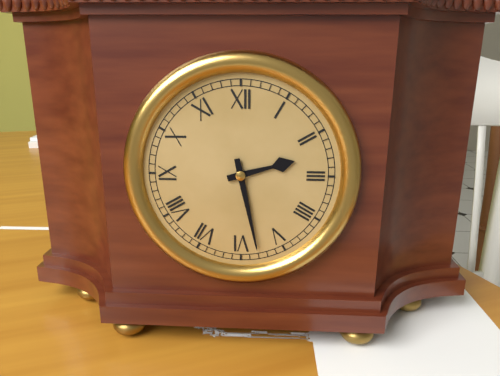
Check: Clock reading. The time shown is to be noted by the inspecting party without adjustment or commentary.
2:28
